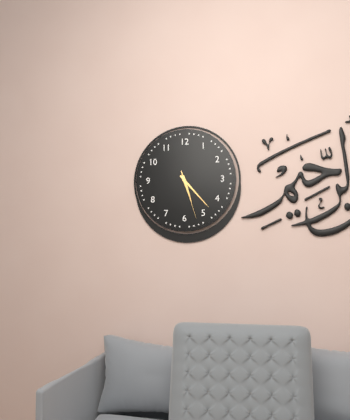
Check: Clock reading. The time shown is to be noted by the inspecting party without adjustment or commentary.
5:23:27
